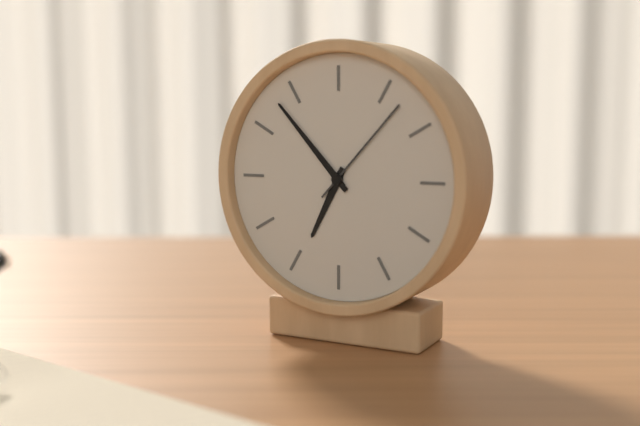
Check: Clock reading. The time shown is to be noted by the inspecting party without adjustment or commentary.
6:53:07
